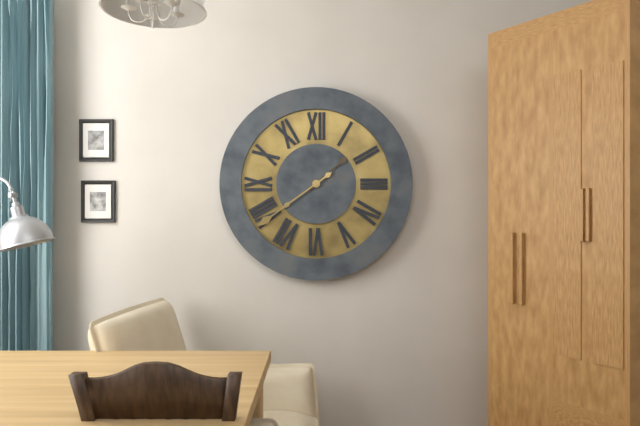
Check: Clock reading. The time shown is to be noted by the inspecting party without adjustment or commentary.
1:39
